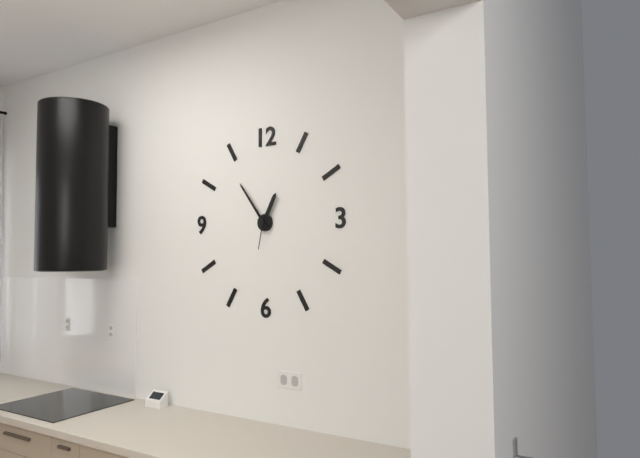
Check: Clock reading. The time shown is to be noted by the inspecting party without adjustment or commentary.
12:54
